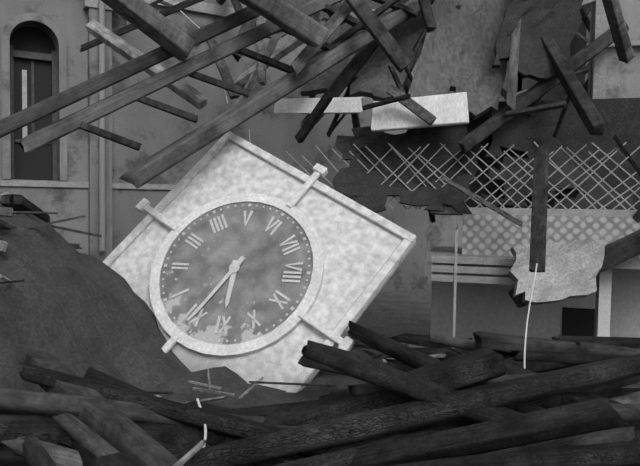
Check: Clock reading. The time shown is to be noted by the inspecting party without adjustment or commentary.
11:00
